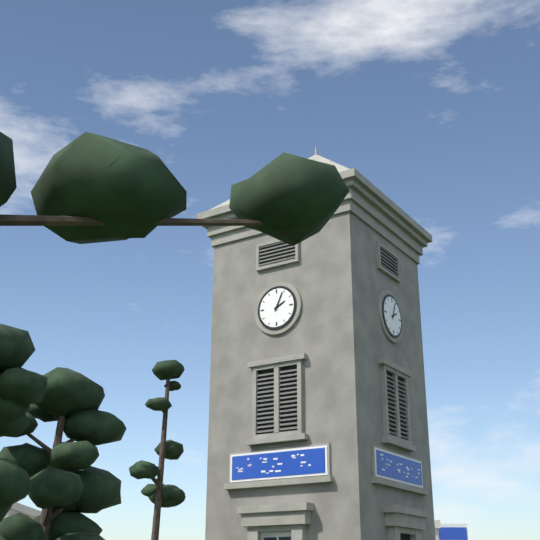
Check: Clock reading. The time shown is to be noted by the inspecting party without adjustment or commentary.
2:04
